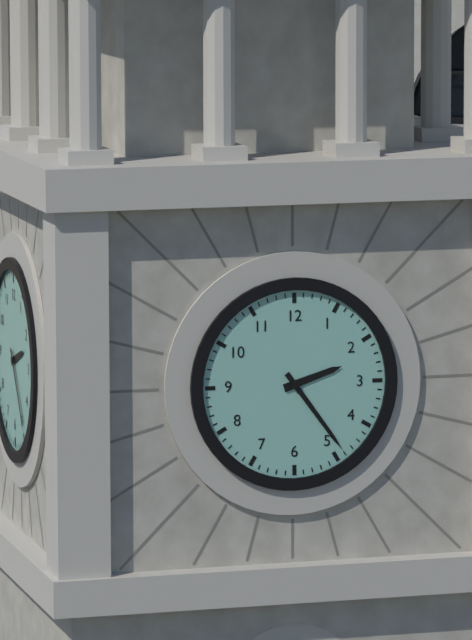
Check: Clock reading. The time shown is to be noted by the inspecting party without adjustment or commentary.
2:24
